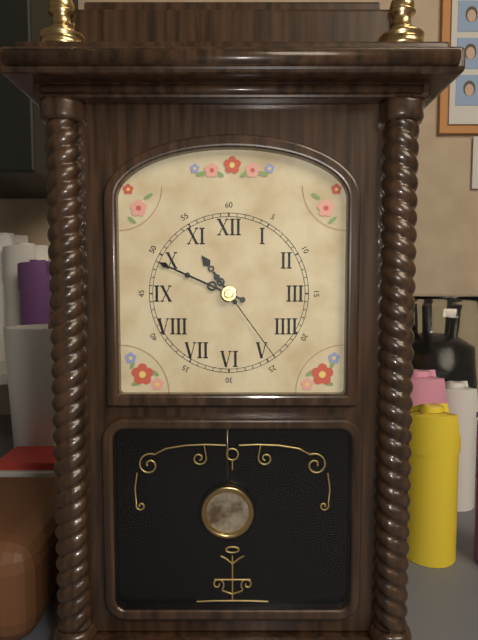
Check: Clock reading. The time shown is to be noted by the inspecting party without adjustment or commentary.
10:49:24
